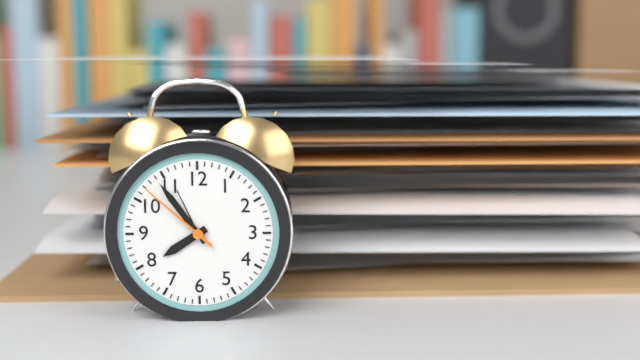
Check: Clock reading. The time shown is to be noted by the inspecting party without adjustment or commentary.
7:54:52
